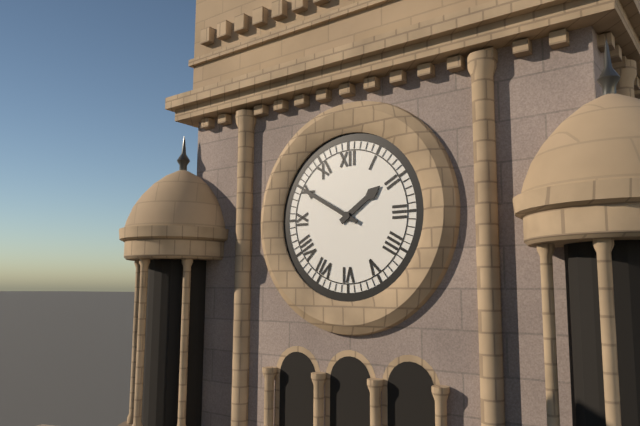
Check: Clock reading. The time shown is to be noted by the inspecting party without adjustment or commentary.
1:50
